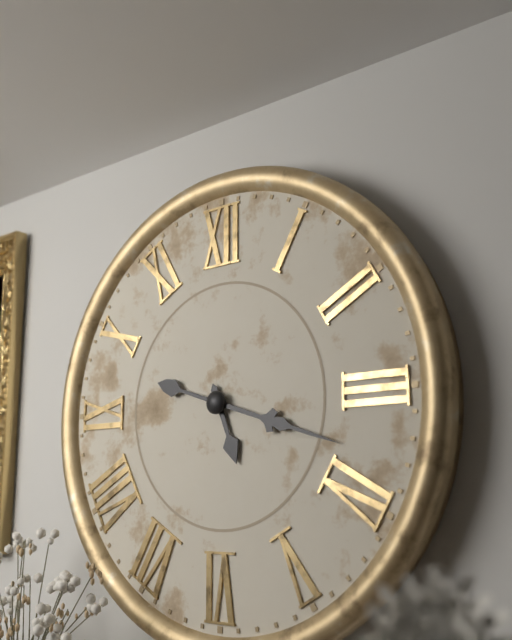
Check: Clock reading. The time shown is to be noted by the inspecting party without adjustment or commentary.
5:18
